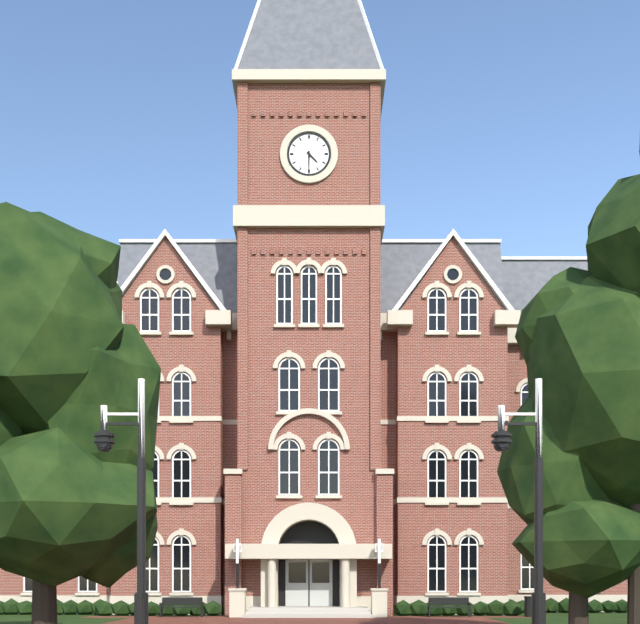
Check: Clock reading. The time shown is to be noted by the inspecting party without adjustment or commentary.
4:30
